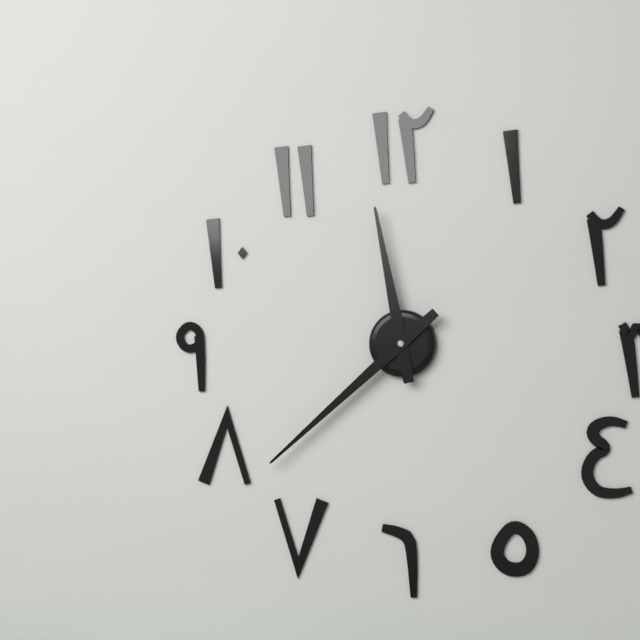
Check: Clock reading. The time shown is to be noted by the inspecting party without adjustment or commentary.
11:38
